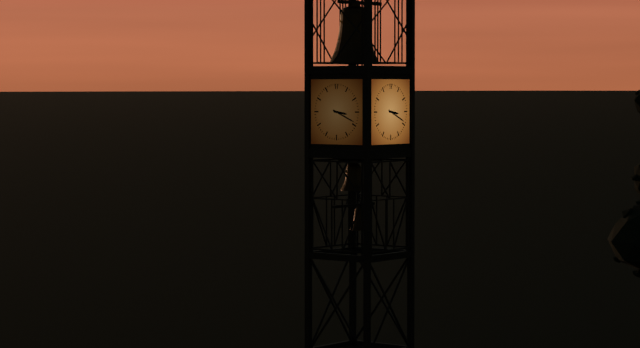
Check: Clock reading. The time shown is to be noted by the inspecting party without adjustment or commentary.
3:19
